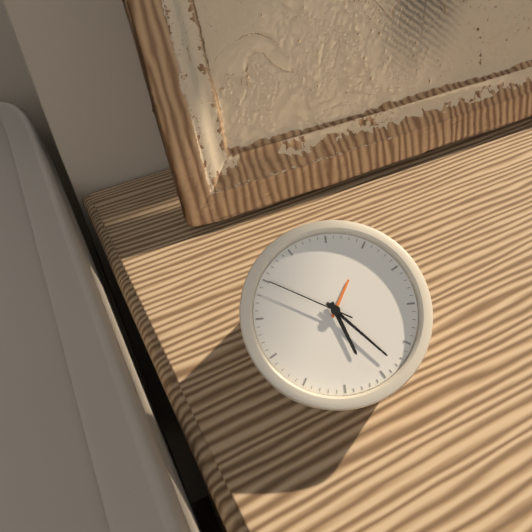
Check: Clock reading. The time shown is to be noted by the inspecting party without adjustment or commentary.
5:23:50
